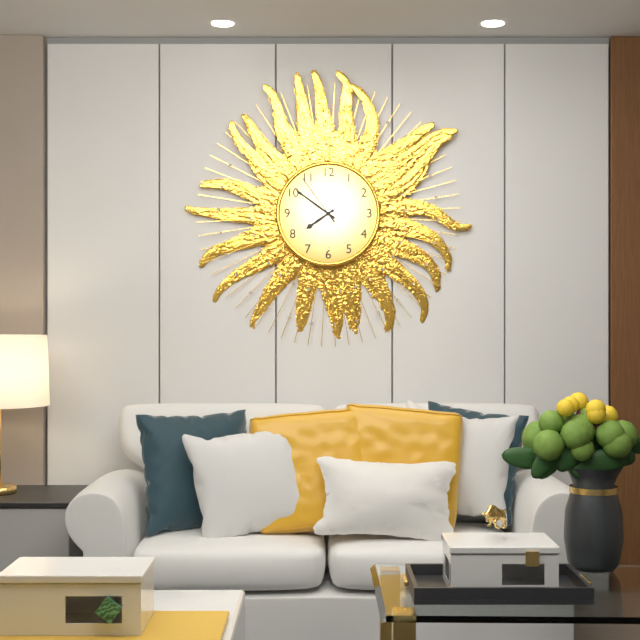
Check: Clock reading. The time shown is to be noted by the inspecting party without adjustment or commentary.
7:51:54
